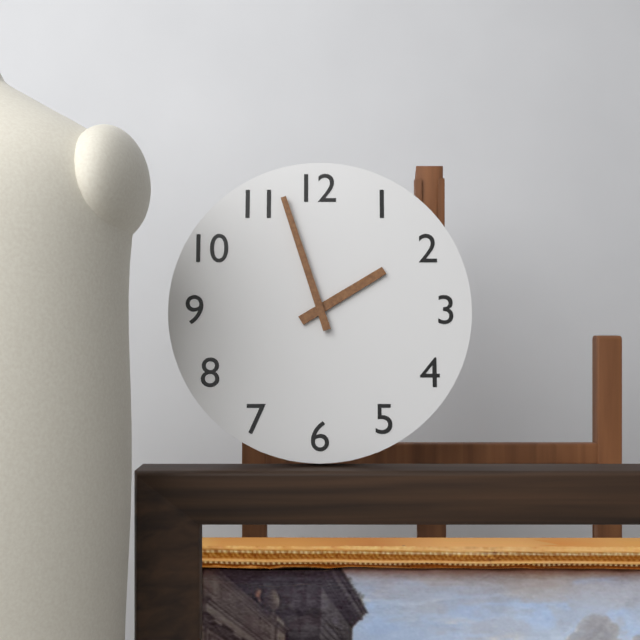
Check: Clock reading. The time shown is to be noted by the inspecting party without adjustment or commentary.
1:57
